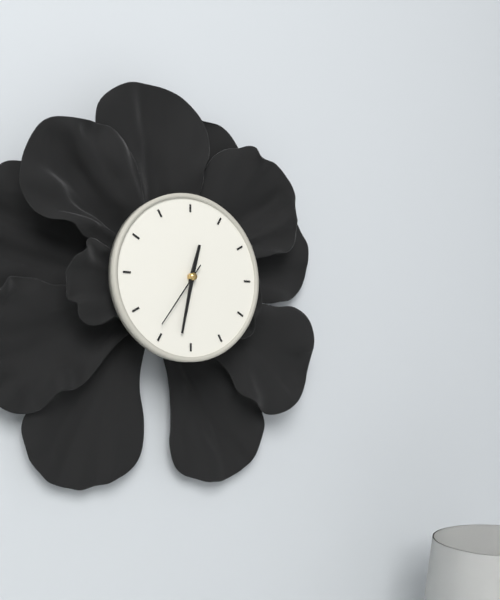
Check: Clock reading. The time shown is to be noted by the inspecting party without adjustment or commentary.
12:32:36
